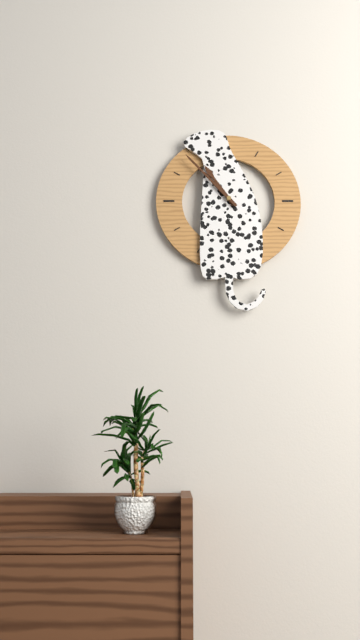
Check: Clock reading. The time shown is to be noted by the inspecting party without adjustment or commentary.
10:53
